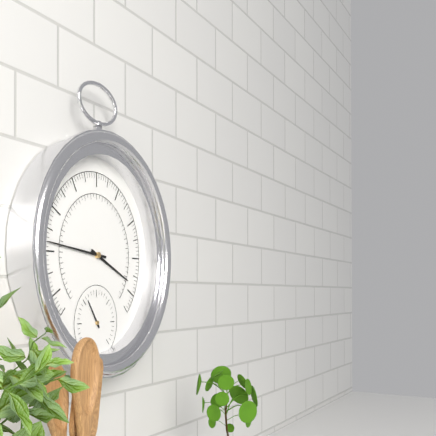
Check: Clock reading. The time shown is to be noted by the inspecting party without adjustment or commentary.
3:46
